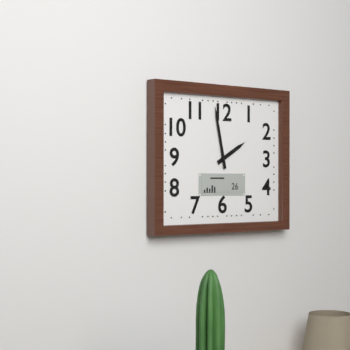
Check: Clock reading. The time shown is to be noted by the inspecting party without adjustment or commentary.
1:58
